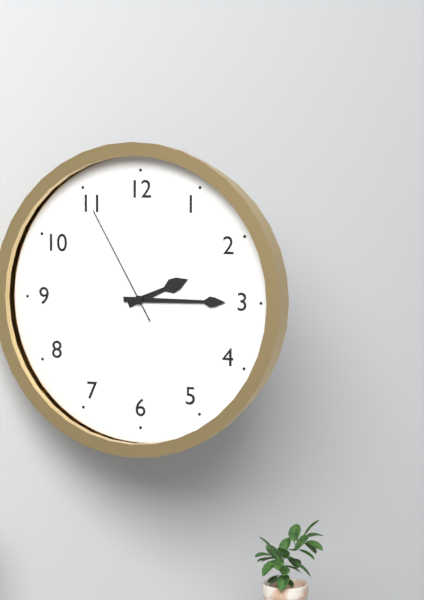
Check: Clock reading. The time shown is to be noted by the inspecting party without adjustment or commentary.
2:15:55
